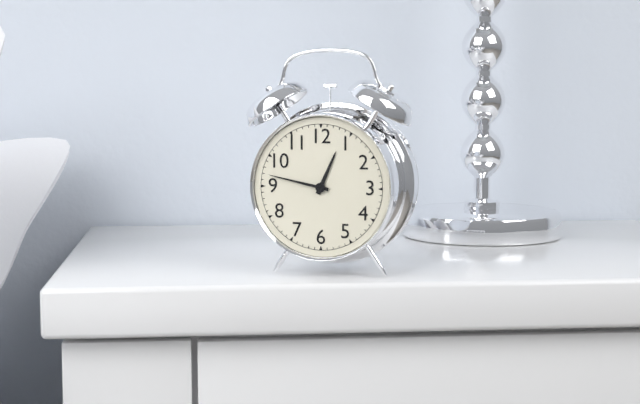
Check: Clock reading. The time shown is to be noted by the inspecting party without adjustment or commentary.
12:47
